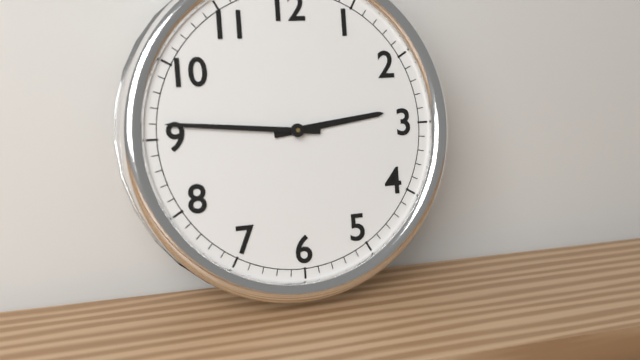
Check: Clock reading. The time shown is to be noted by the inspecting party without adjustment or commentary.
2:46
